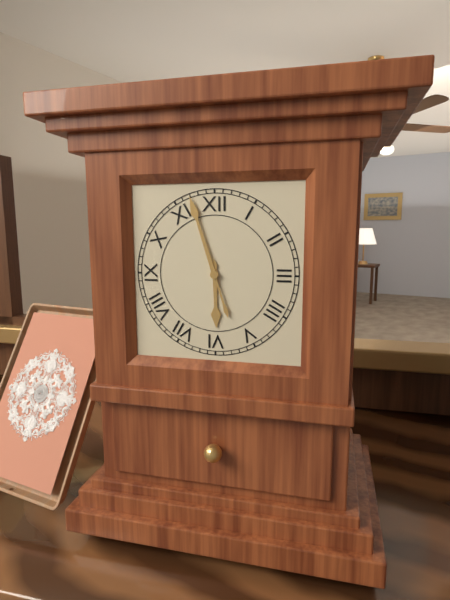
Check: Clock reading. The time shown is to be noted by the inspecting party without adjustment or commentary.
5:57
